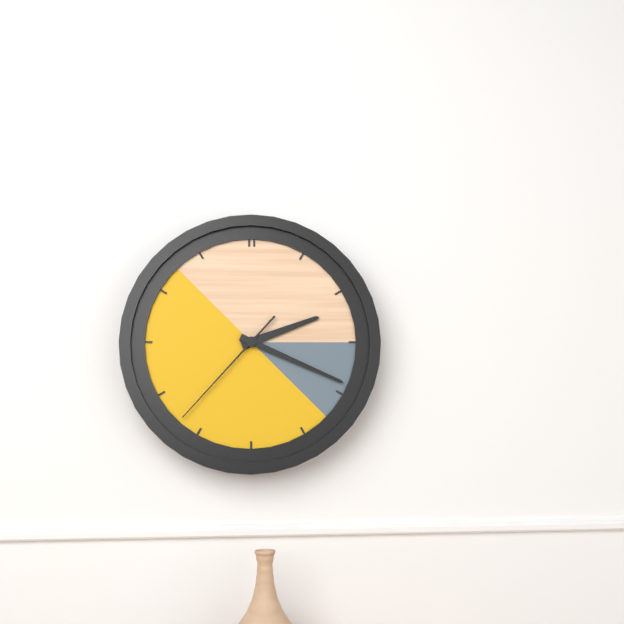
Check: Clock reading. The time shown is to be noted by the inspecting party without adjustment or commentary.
2:19:37
